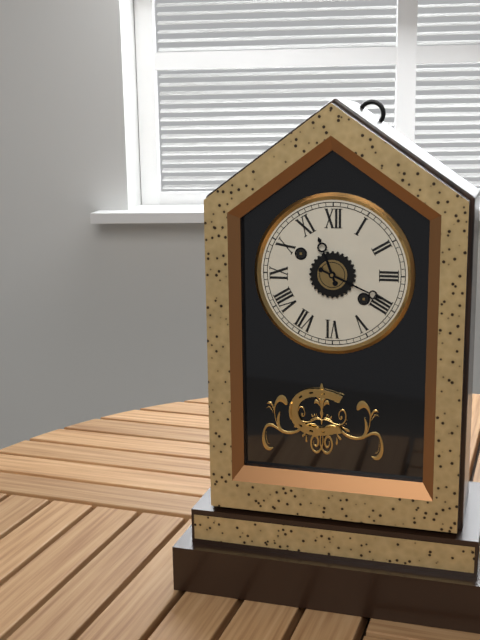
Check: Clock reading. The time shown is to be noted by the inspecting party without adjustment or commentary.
11:19
